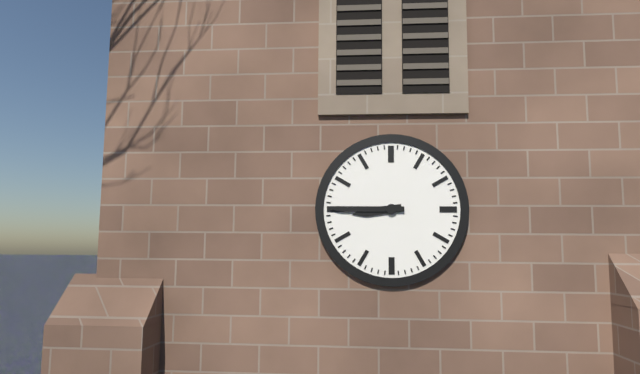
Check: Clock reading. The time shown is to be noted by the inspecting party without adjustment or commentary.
8:45
